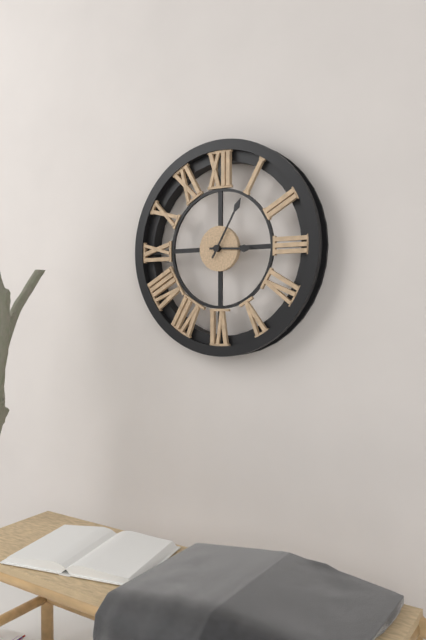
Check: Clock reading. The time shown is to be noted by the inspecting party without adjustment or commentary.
3:05
